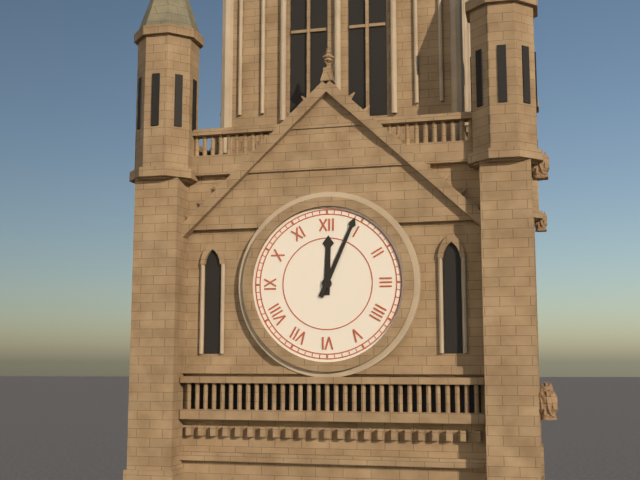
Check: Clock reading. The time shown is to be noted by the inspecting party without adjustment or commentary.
12:04
